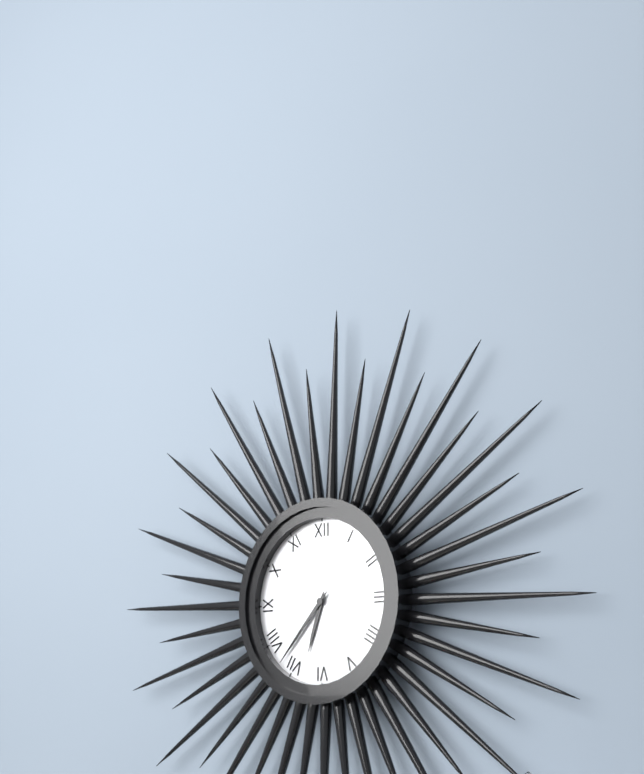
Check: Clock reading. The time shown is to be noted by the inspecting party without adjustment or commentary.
6:37
